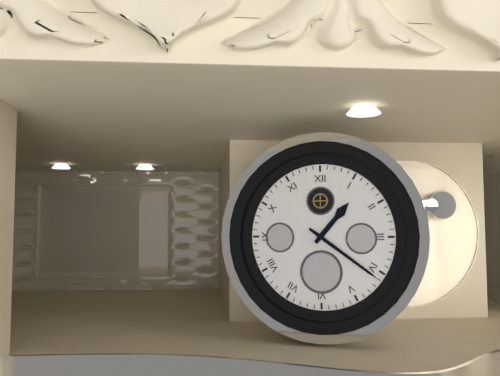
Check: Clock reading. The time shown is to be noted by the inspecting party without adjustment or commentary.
1:21
